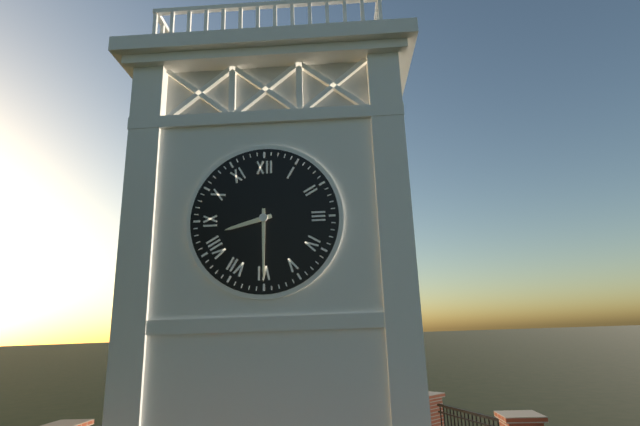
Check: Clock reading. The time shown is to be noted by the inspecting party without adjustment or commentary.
8:30
